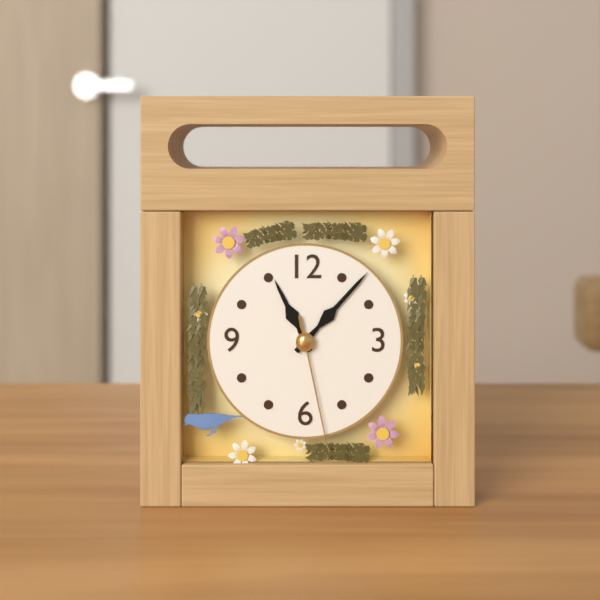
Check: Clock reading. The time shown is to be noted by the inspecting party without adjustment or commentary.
11:07:28
